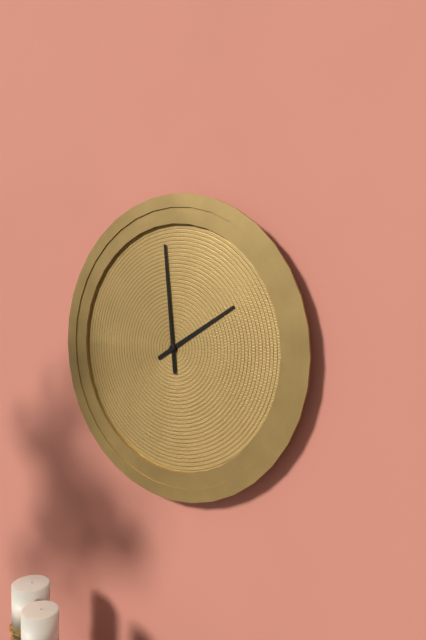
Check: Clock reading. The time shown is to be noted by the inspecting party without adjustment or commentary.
1:59
